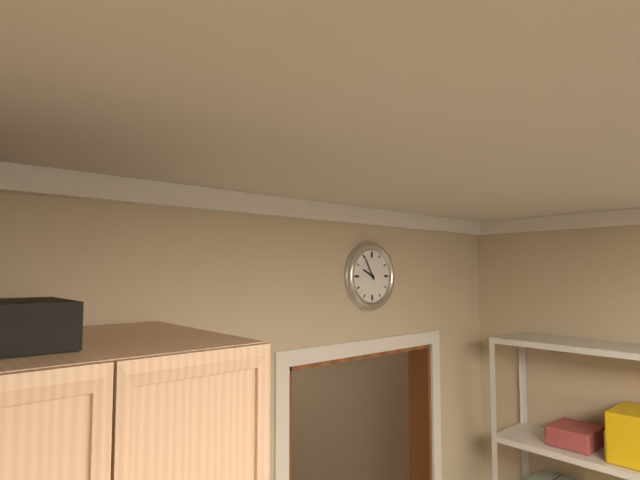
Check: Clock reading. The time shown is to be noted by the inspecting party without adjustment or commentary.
9:55
